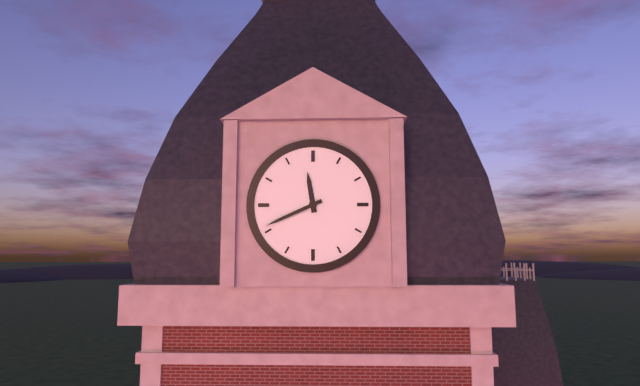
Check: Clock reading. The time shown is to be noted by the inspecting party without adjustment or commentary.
11:41
